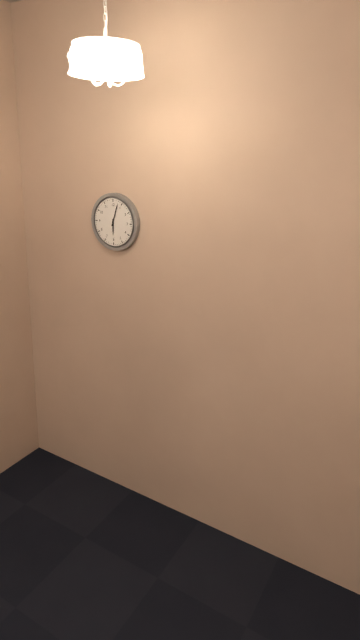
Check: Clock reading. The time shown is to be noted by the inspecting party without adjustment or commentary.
6:03
